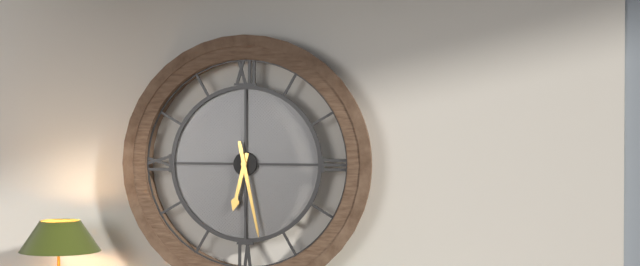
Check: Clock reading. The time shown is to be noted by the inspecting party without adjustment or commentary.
6:28
